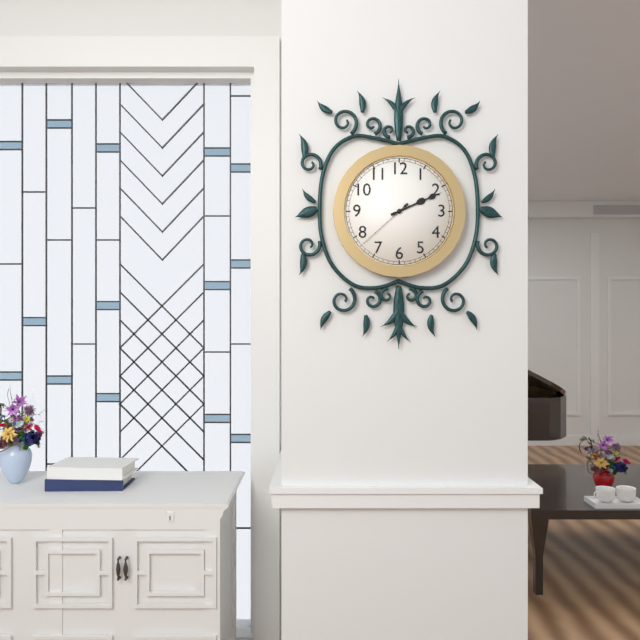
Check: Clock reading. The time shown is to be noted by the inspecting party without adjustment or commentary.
2:11:38
